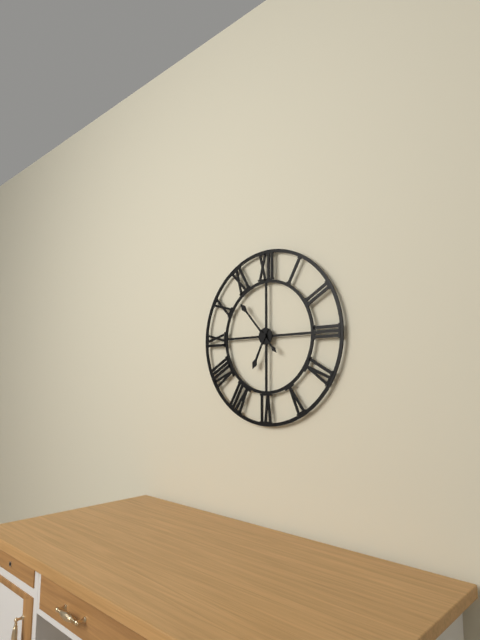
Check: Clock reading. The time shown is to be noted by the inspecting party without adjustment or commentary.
6:53
